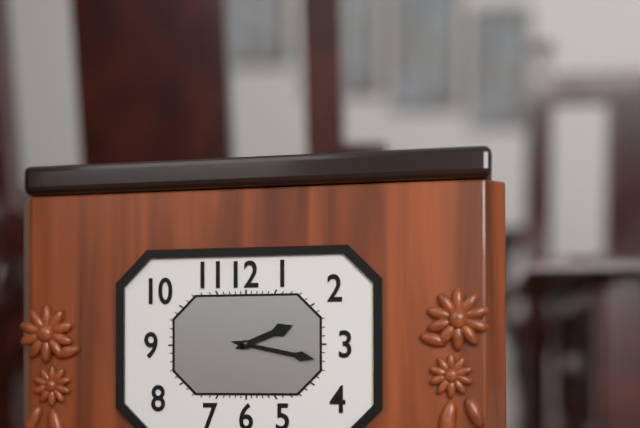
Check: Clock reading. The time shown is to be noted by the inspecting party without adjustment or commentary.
2:17
